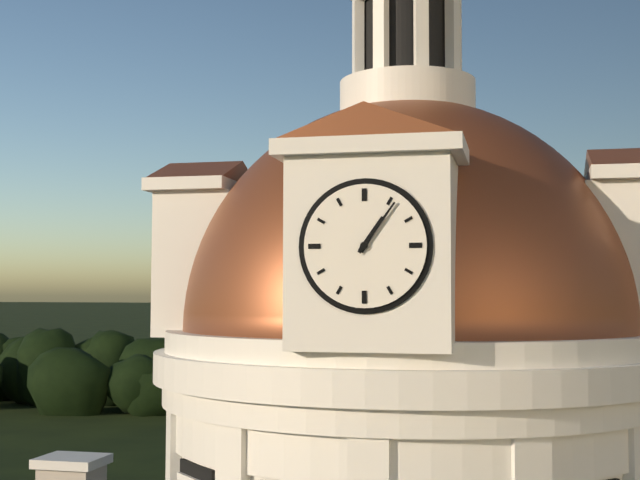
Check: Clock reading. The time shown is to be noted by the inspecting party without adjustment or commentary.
1:06
